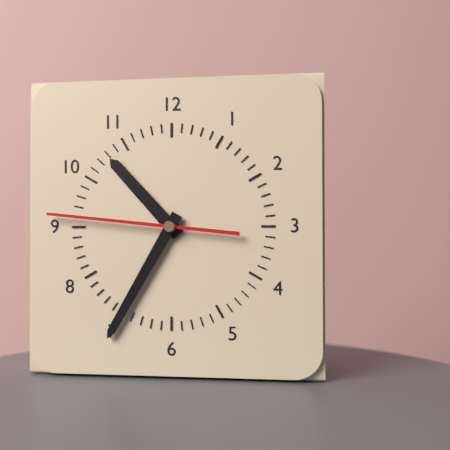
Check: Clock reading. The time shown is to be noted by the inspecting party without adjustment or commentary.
10:35:46
